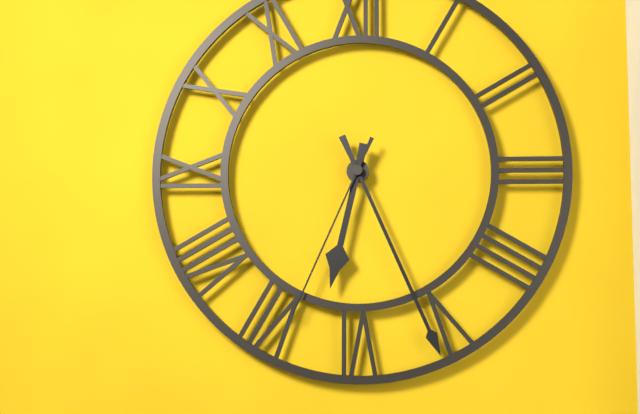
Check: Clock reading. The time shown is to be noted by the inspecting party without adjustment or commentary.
6:26:34
